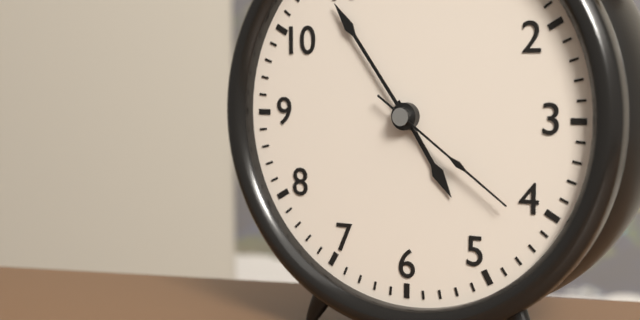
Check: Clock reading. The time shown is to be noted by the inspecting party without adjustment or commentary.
4:54:21
